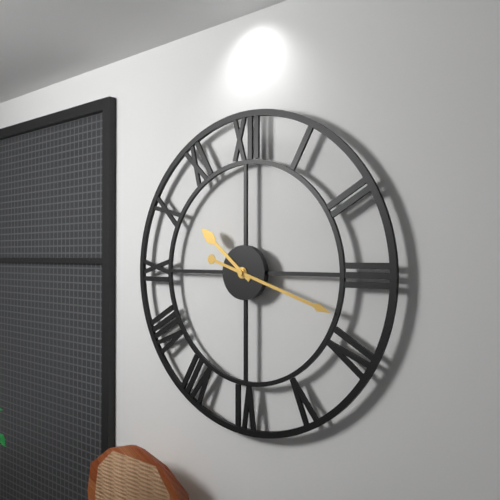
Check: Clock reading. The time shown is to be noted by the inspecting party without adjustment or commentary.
10:18
